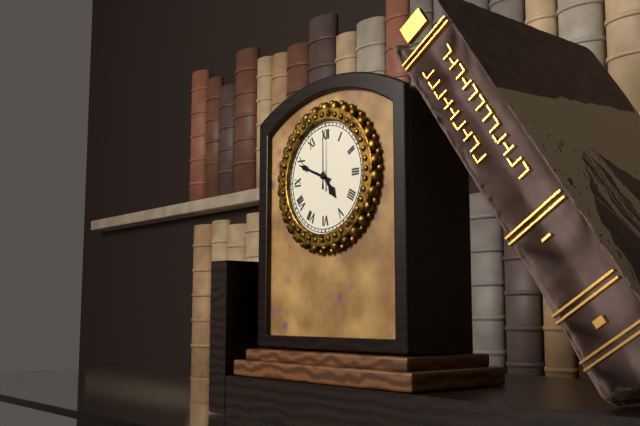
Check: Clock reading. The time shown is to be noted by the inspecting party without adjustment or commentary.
4:49:00
